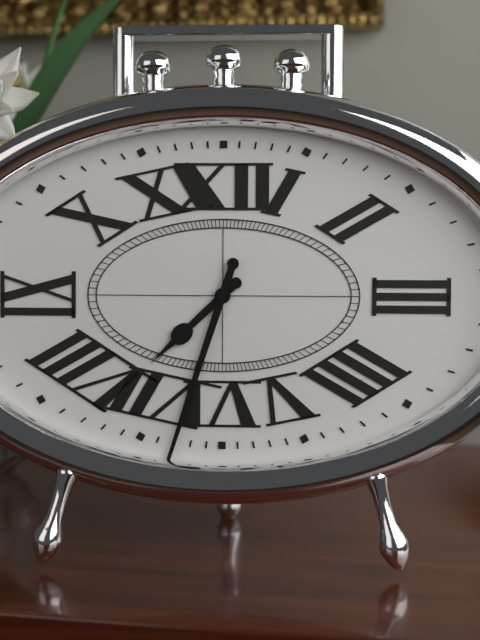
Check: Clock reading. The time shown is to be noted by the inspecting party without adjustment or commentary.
7:33
